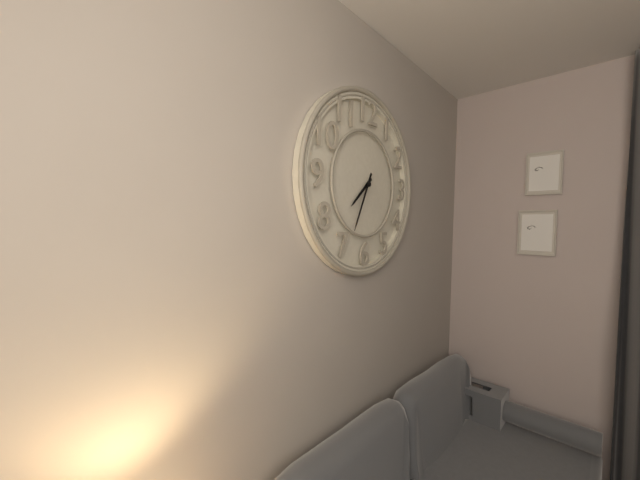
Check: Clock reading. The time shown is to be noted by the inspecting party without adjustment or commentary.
7:34
